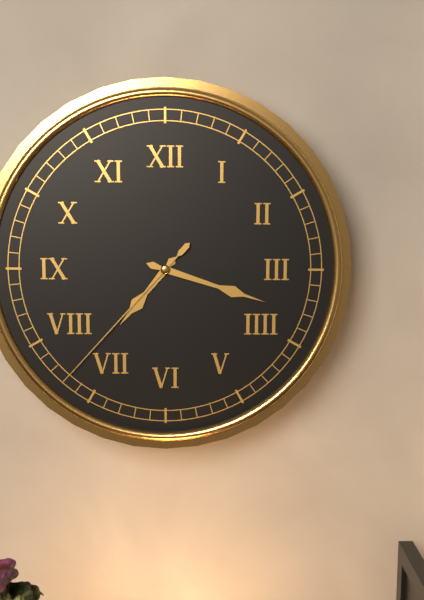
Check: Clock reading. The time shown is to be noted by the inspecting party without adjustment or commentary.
7:18:37
